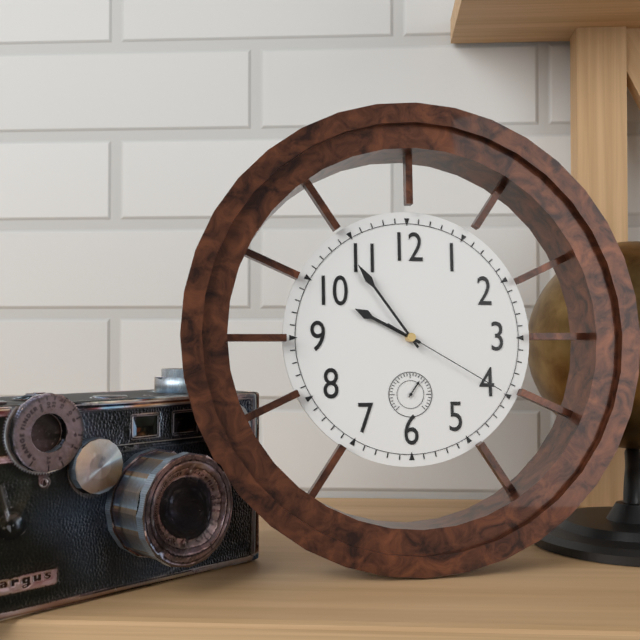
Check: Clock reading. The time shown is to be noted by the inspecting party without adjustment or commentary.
9:54:20
